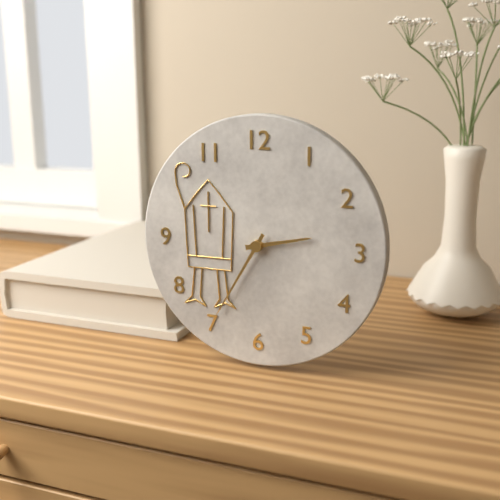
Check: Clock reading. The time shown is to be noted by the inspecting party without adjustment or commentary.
2:35
